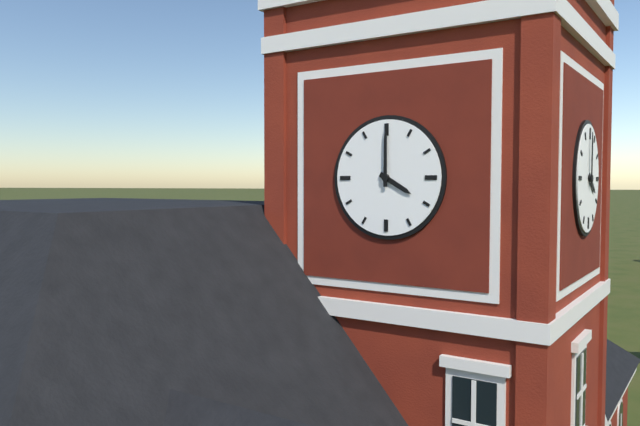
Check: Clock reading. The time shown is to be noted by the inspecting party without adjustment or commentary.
4:00
